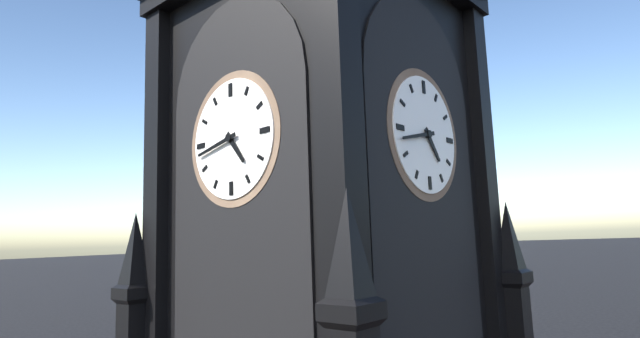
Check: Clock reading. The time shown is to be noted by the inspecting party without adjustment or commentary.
4:43
